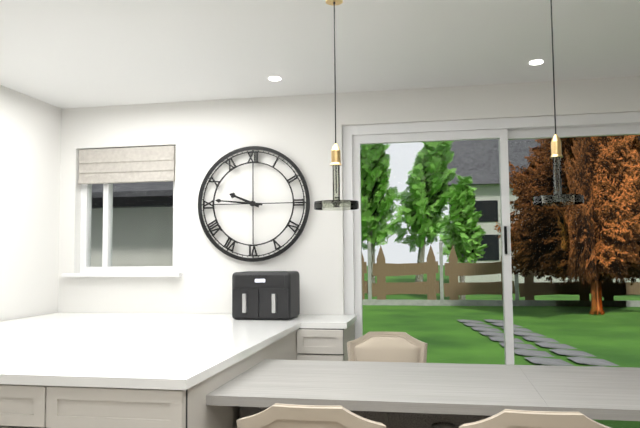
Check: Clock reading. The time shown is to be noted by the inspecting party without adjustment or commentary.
9:46
